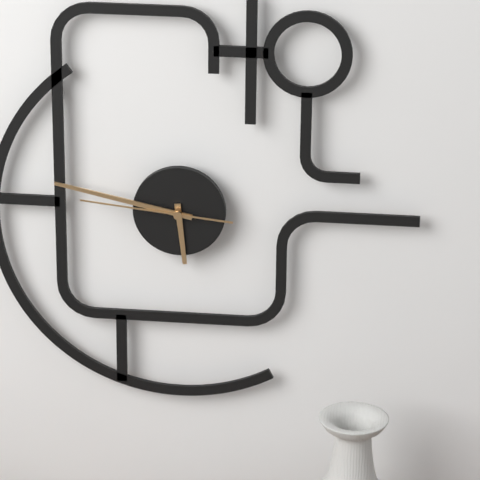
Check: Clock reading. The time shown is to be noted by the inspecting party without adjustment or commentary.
5:47:46
